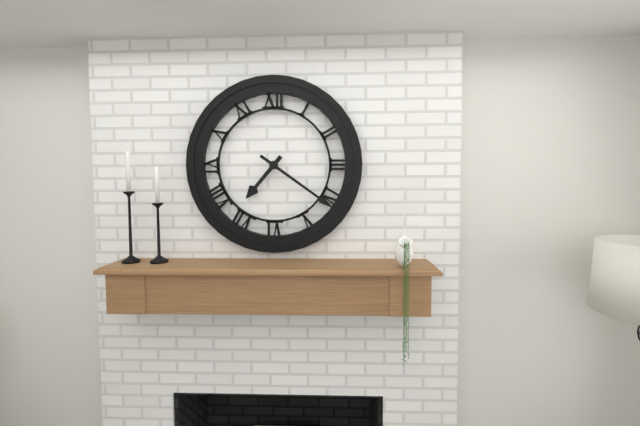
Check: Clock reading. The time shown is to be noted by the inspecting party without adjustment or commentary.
7:21
